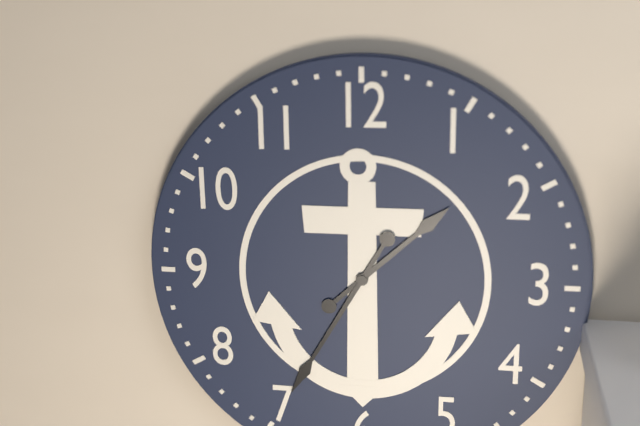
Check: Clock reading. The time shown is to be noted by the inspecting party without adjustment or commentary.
1:35
